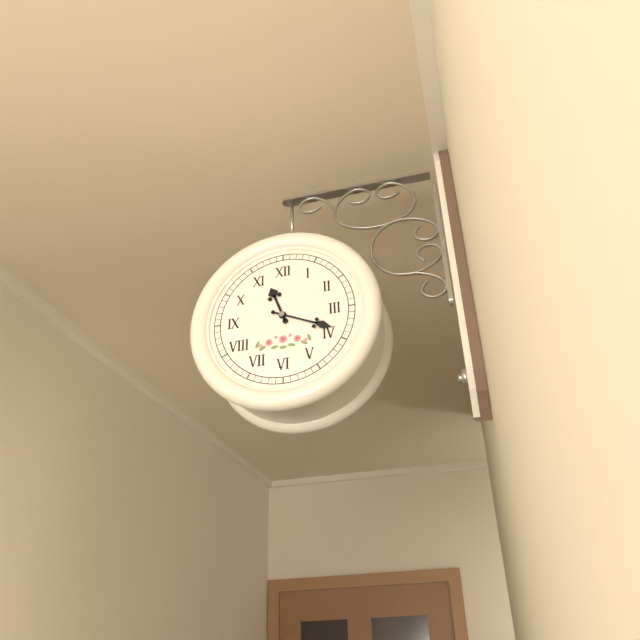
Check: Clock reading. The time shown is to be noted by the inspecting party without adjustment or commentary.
11:19
